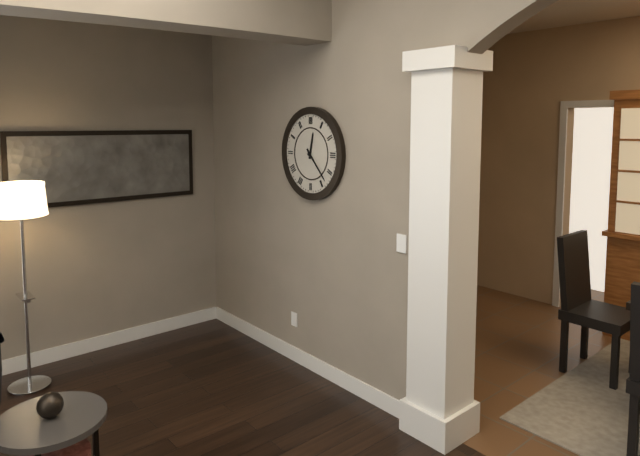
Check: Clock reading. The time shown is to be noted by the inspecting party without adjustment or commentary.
12:23
